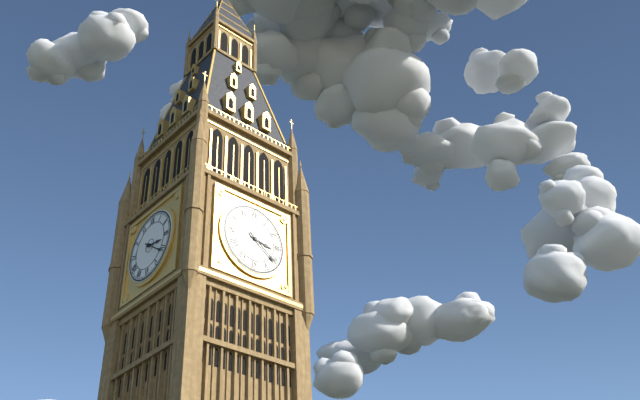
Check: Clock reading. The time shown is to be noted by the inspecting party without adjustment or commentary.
3:21
